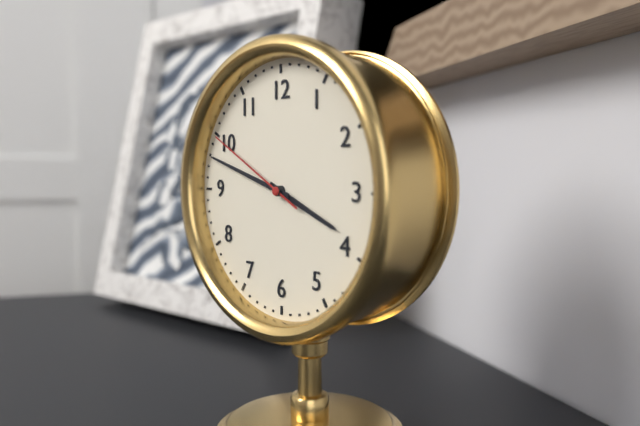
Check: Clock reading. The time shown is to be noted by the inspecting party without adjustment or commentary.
3:48:50
